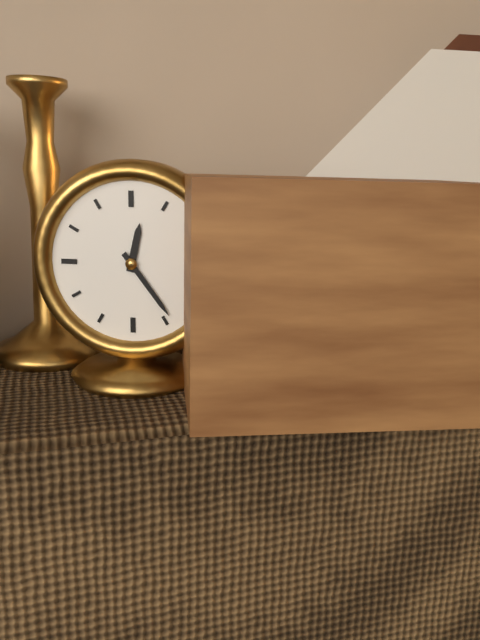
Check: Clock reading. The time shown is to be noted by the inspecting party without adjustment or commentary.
12:24
